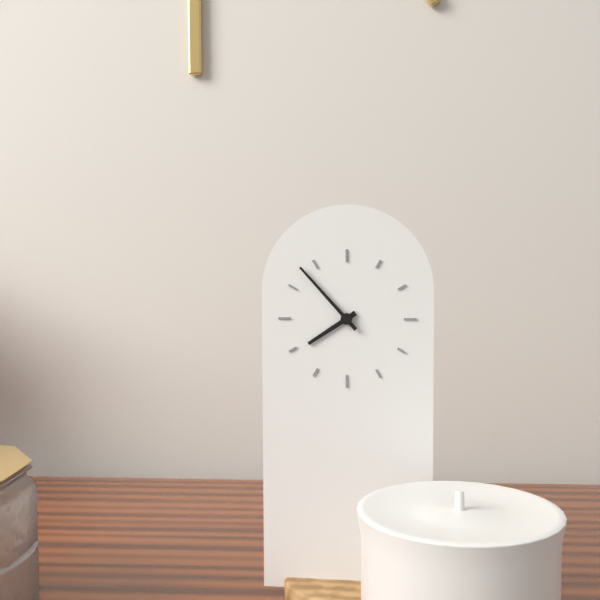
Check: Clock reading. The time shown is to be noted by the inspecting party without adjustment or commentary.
7:53
